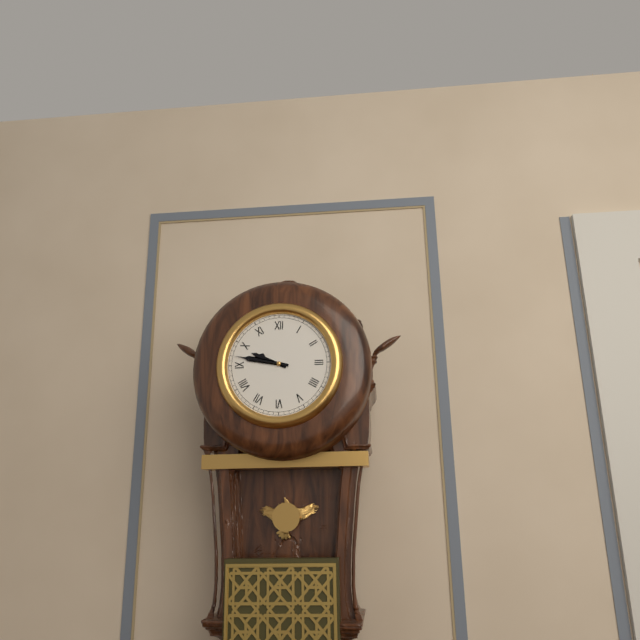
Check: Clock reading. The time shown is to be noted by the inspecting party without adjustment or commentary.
9:47
